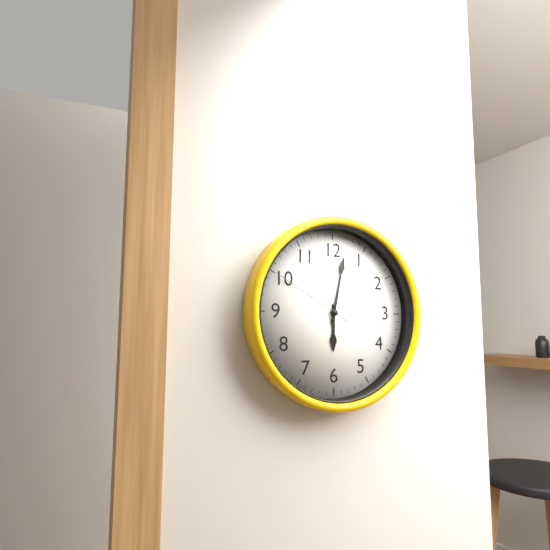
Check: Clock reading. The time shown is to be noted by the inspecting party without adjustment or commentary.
6:02:50
